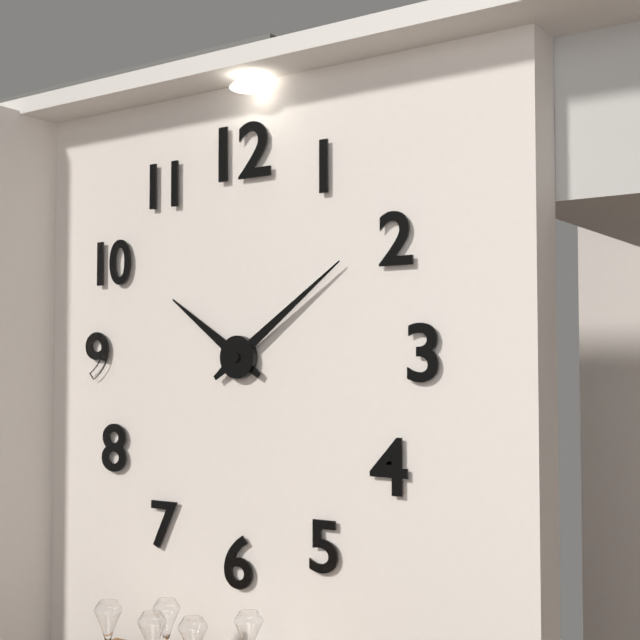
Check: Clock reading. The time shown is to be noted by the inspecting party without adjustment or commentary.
10:09
